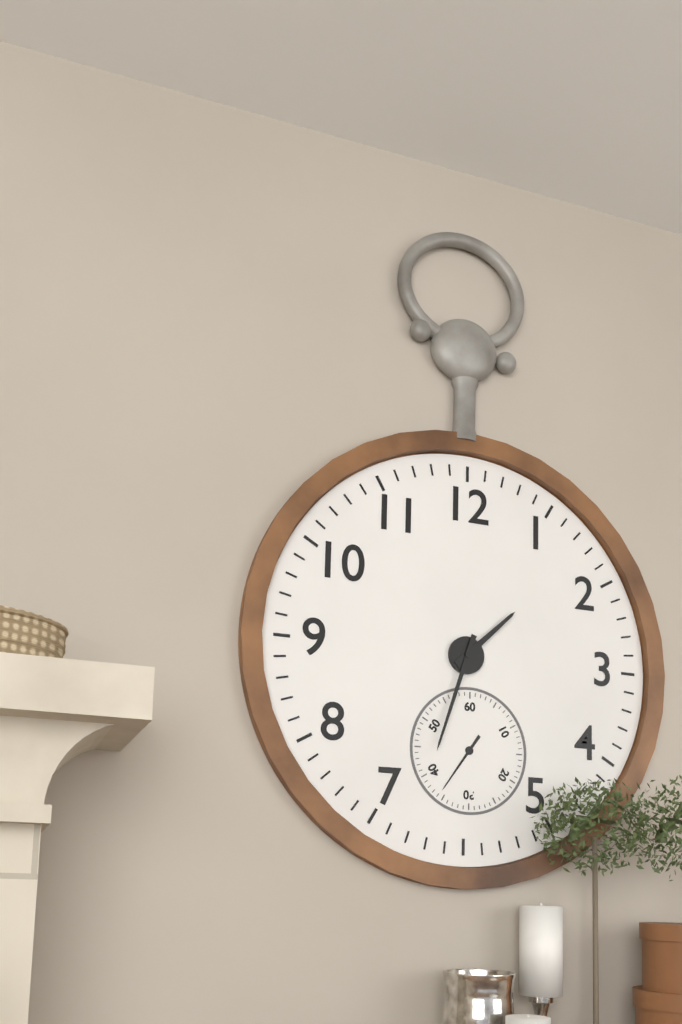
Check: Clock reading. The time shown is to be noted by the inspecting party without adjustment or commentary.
1:33
